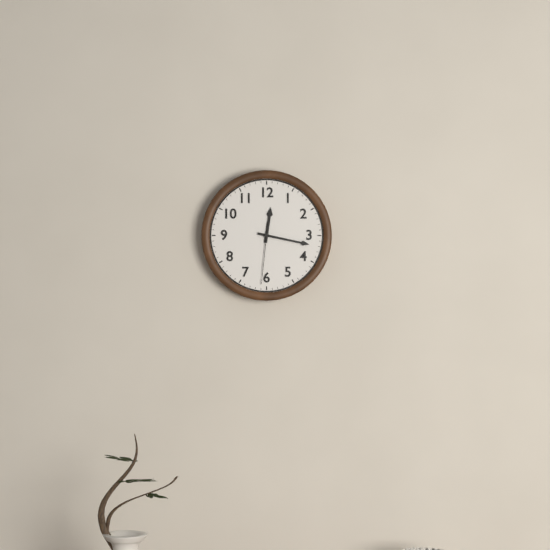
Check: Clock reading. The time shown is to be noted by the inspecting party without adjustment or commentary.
12:17:31
